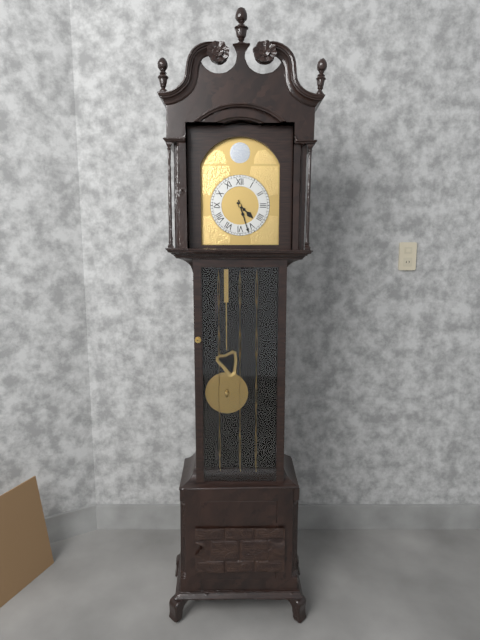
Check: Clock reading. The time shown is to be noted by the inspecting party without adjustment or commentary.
4:27
